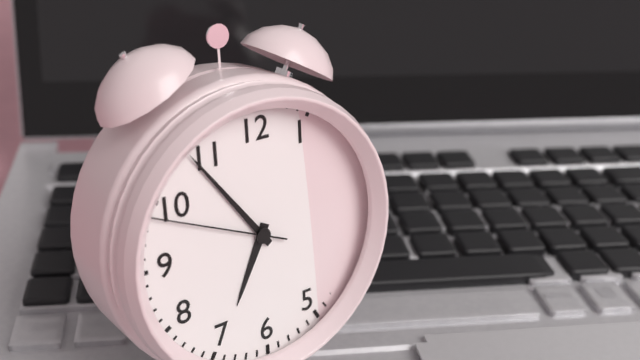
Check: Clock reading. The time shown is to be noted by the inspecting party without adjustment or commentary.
6:54:49
